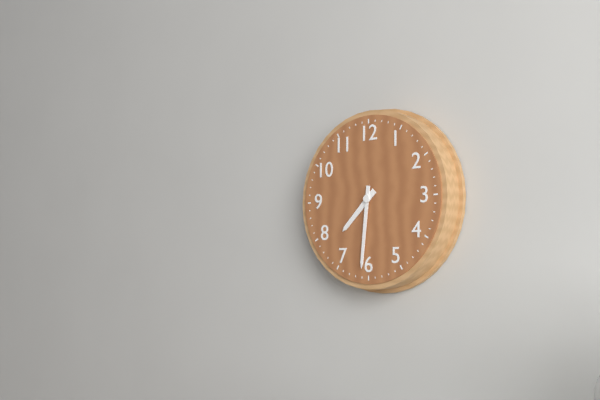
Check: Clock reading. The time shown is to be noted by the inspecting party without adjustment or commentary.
7:31
